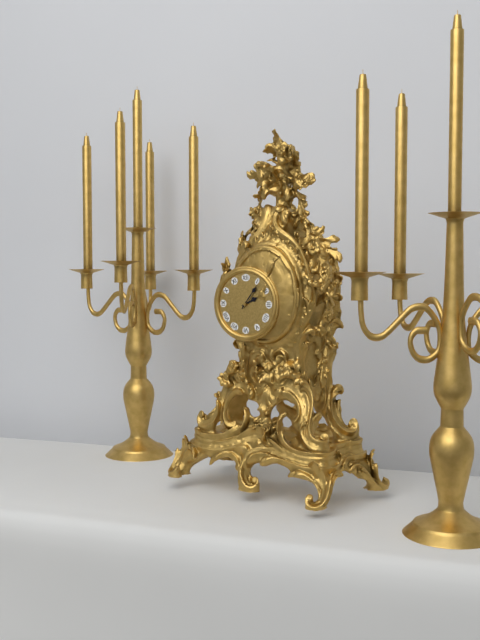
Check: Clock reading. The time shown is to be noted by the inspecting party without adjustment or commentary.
2:06
